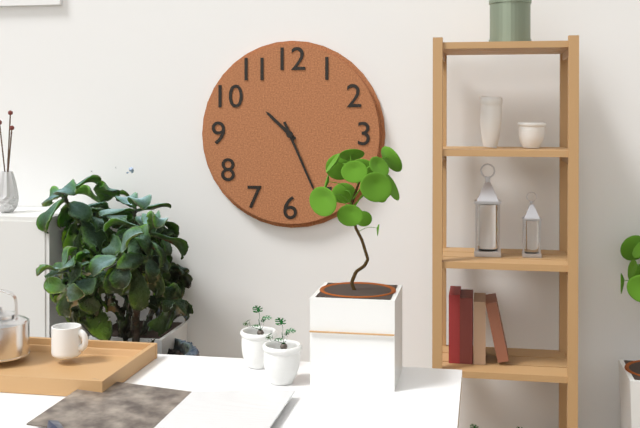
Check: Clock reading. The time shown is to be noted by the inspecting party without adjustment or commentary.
10:26
